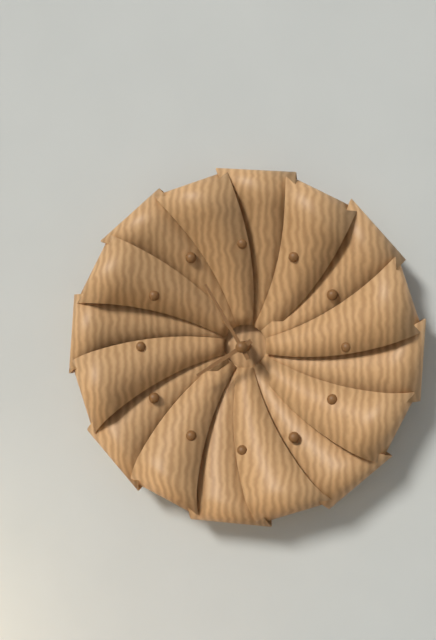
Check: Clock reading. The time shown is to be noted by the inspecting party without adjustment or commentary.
7:55
